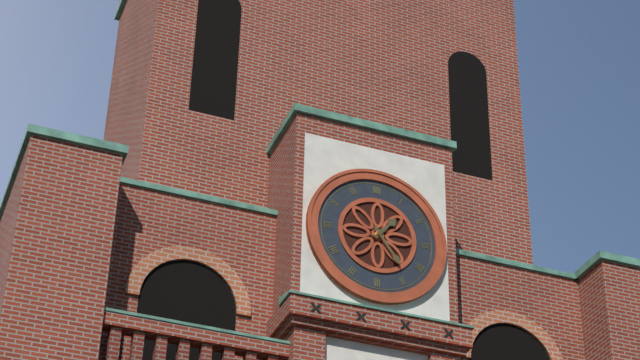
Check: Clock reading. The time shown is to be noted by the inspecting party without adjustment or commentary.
1:24
